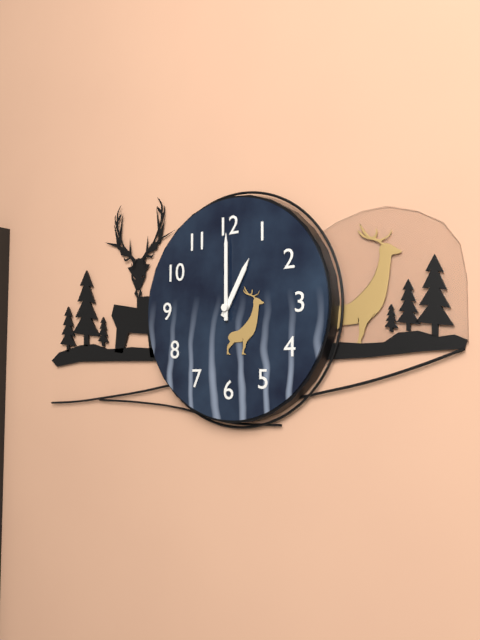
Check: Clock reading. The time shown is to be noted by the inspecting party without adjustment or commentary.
1:00
